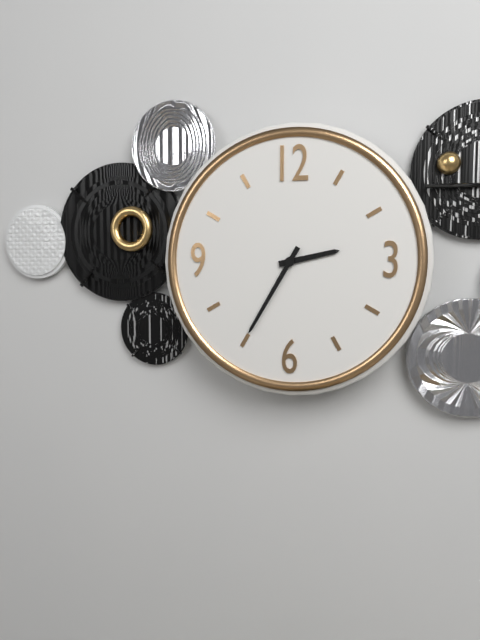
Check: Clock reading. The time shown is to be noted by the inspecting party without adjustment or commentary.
2:35
